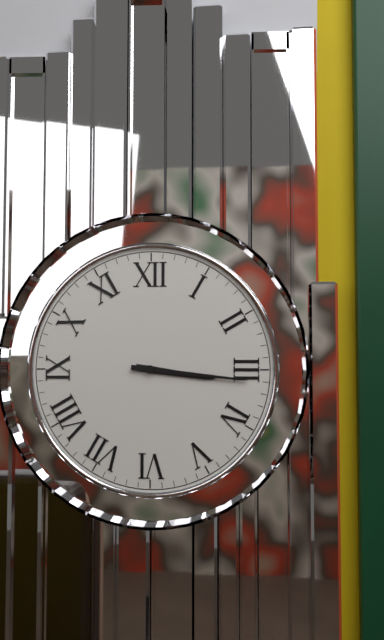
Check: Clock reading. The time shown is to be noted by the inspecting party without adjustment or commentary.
3:16
